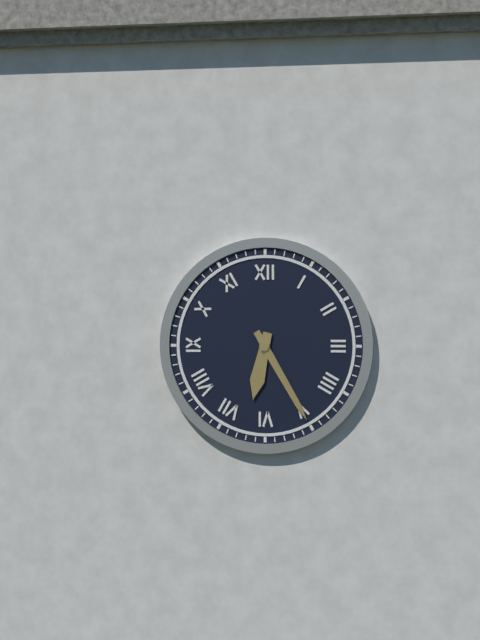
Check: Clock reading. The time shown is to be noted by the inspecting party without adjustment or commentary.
6:25
